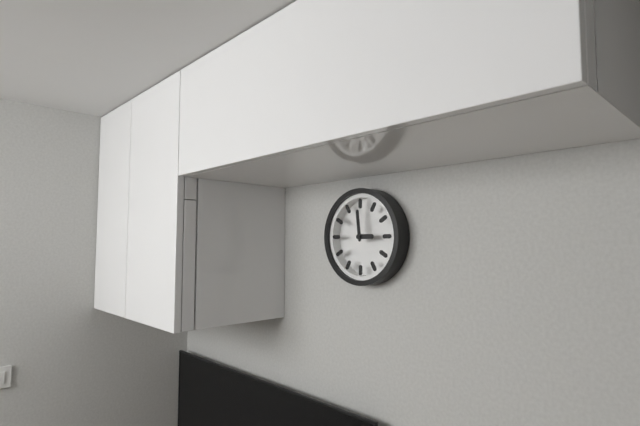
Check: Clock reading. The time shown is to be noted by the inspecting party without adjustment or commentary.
2:59
